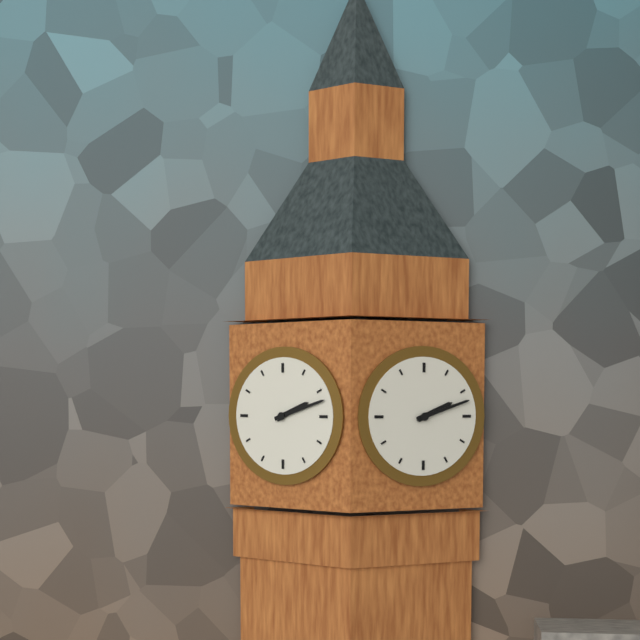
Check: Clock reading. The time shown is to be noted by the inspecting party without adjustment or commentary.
2:12
